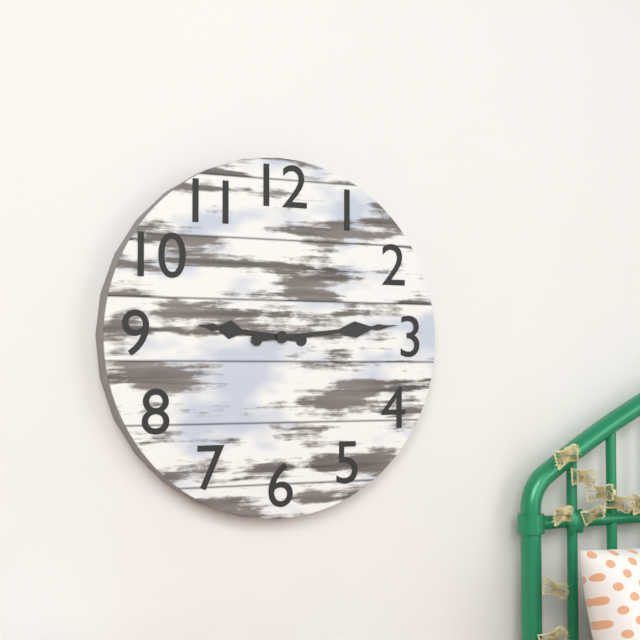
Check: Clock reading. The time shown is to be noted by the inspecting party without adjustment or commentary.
9:14
